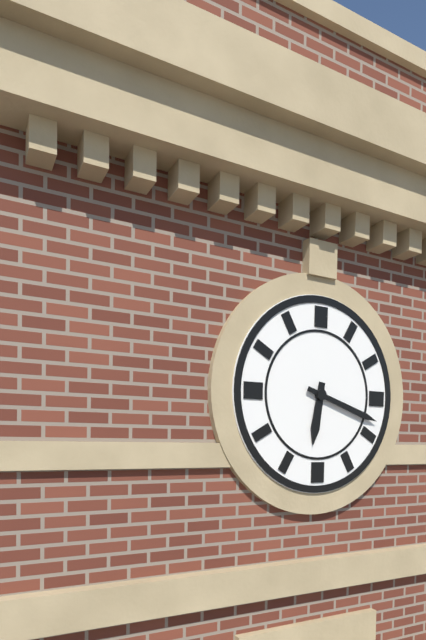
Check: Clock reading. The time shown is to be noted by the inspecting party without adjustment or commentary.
6:18
